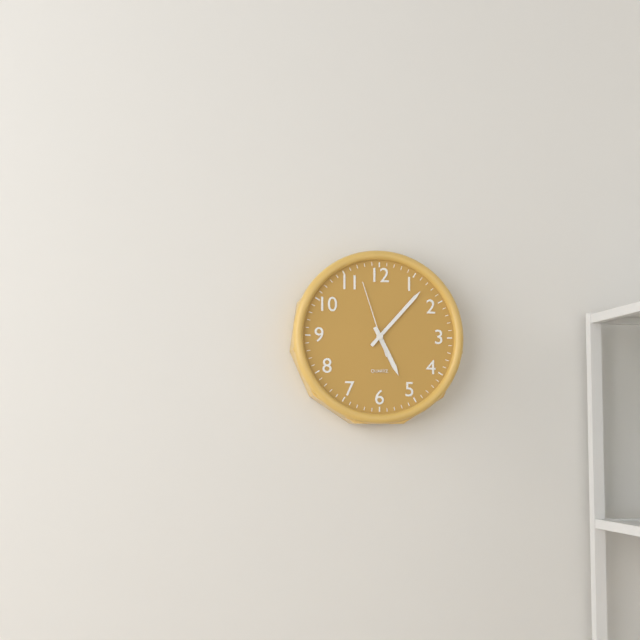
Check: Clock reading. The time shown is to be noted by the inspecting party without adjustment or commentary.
5:07:57
